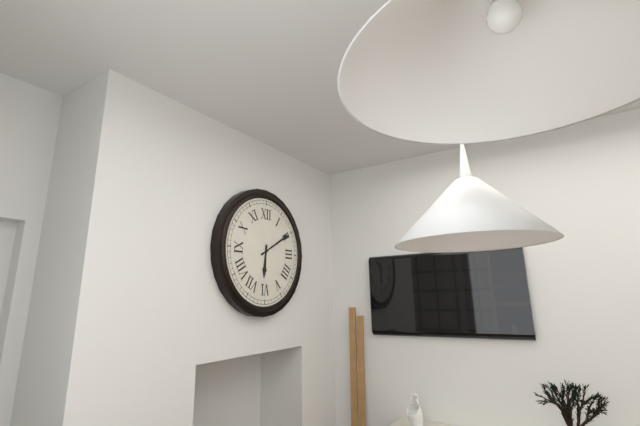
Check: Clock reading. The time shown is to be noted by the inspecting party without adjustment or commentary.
6:10
